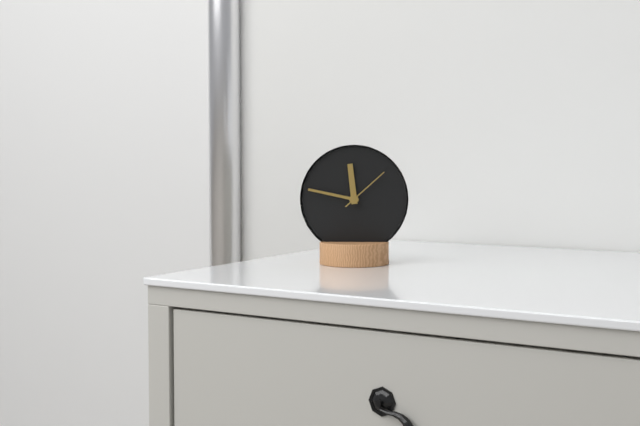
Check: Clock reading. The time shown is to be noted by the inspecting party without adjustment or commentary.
11:47:08
